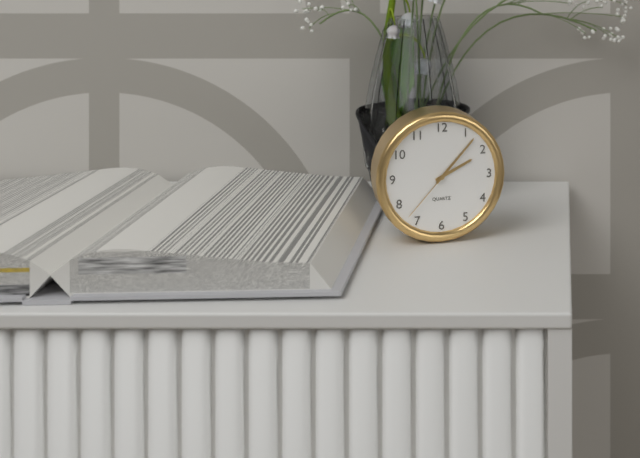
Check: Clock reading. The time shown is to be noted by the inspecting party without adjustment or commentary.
2:07:37
